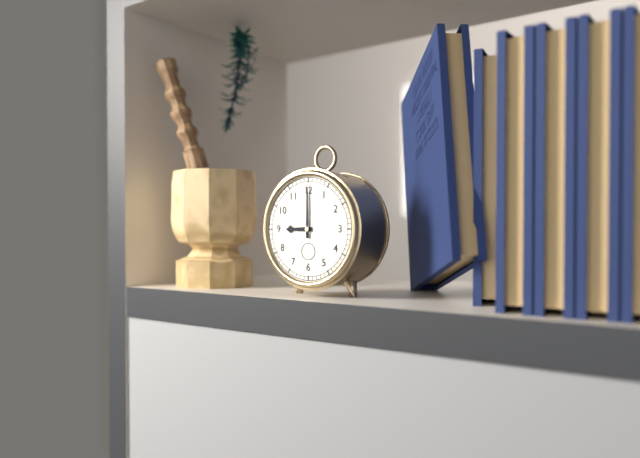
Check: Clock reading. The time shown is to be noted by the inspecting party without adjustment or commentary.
9:00
